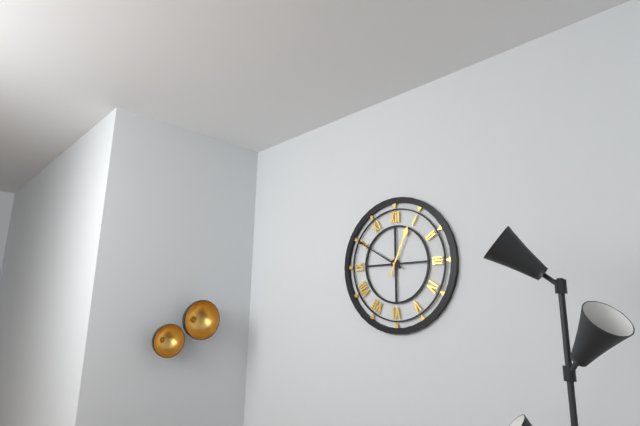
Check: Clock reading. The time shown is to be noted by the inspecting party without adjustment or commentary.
12:50
